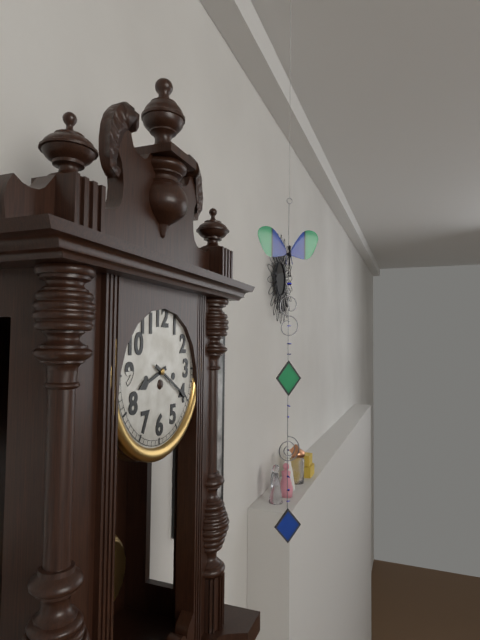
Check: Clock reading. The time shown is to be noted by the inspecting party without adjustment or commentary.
8:20
